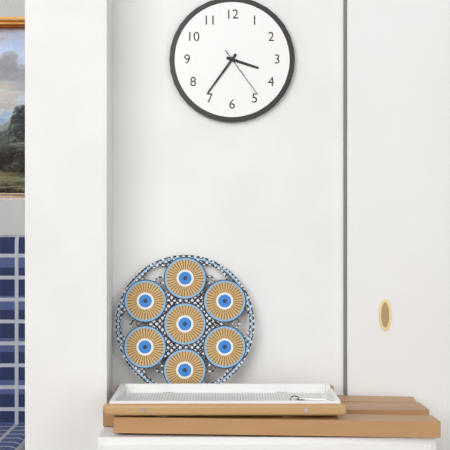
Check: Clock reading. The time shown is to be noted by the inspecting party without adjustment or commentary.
3:36:24
